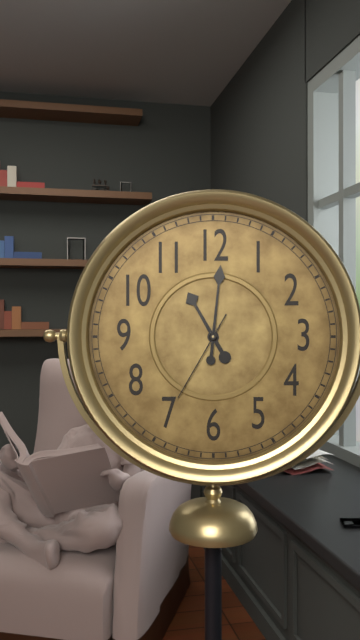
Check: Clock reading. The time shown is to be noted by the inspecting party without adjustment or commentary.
11:01:35
